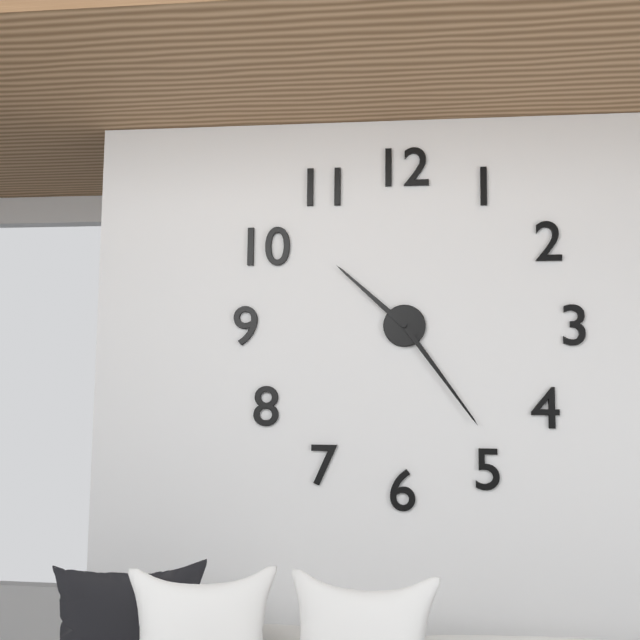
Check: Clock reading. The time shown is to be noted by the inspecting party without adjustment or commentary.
10:24
